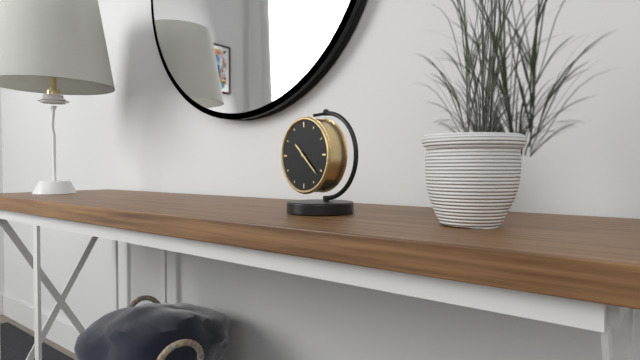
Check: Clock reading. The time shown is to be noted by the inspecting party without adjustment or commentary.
10:22
